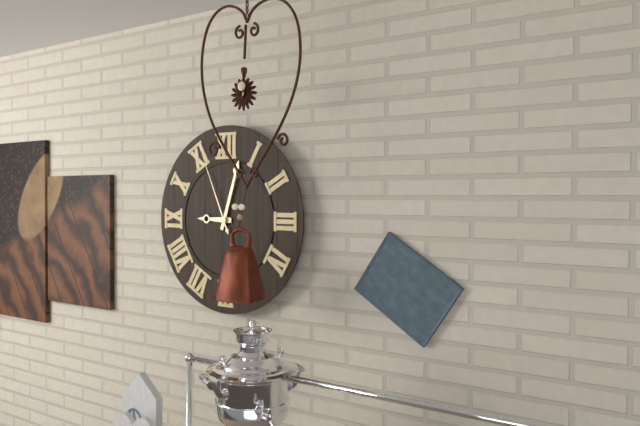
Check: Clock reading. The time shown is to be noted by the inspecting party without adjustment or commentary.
9:03:56
